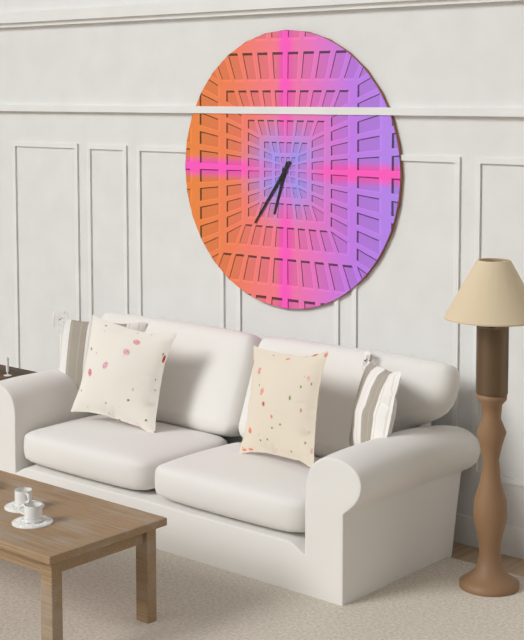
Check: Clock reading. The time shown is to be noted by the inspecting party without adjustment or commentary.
6:36
